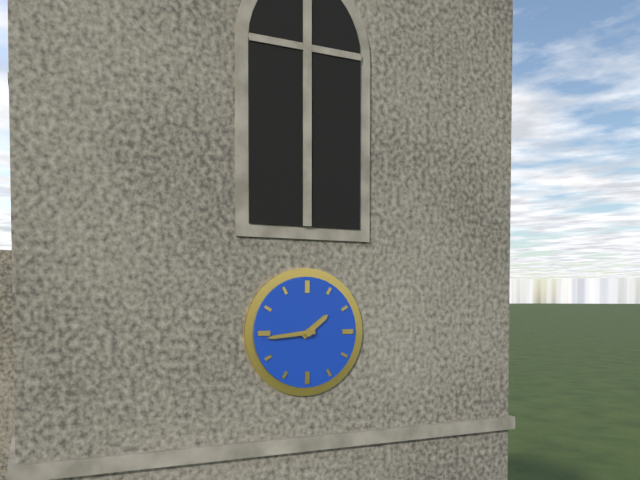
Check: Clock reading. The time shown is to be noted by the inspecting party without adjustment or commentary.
1:44
